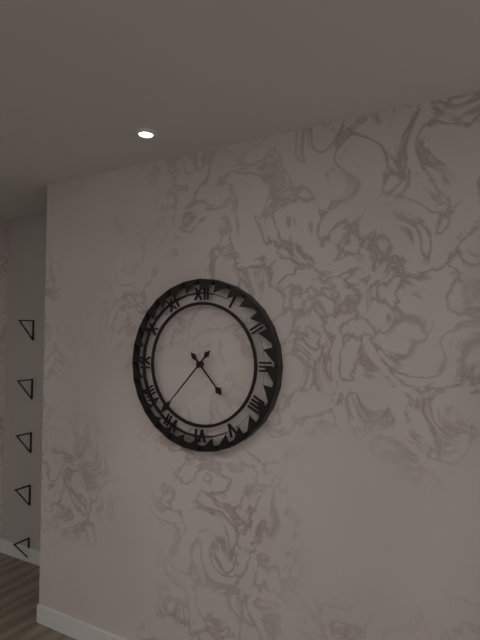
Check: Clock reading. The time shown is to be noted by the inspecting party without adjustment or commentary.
4:37
